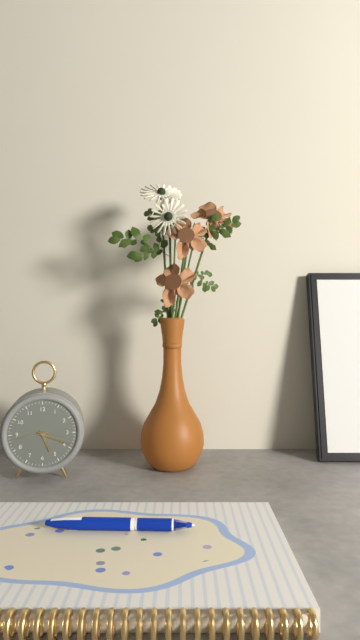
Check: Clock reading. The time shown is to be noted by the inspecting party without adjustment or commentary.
5:19
